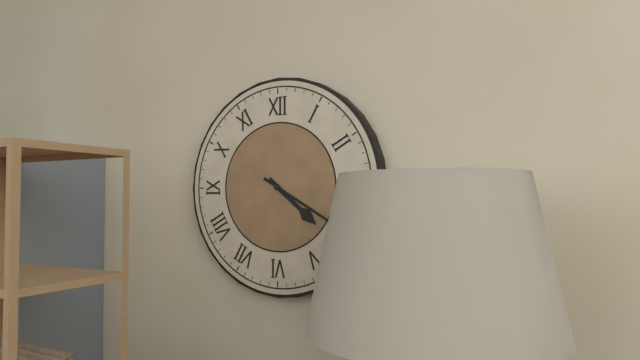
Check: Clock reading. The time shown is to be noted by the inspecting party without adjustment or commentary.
4:20
